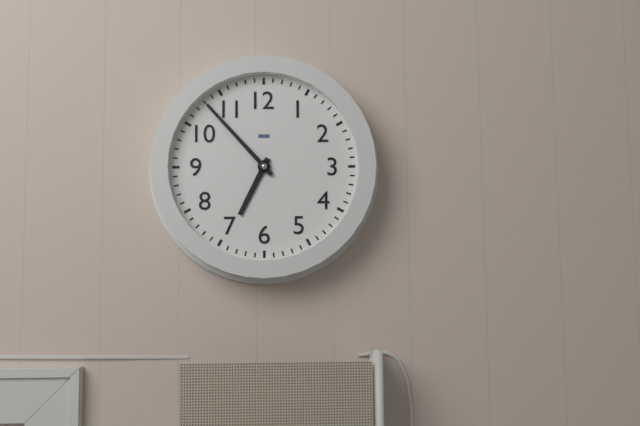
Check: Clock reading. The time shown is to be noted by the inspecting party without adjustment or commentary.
6:53
